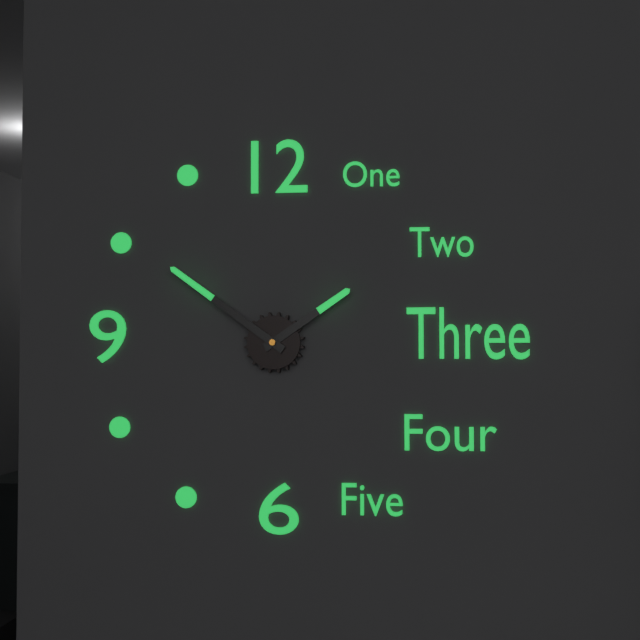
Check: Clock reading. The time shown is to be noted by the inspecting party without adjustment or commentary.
1:51
